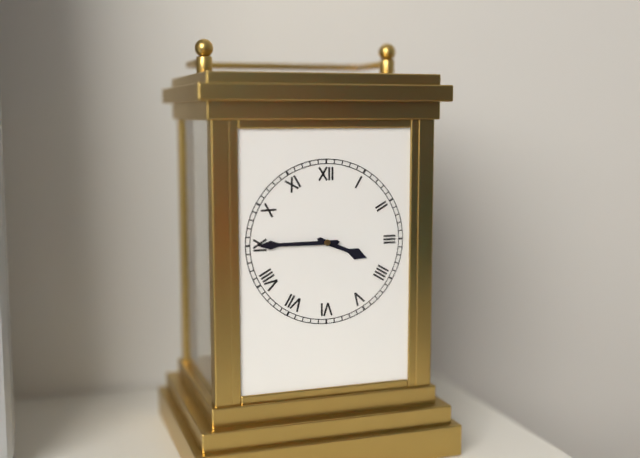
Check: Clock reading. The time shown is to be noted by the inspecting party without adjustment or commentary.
3:45
